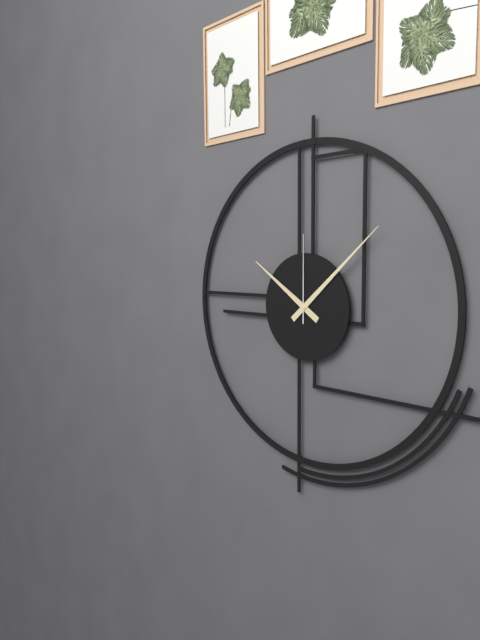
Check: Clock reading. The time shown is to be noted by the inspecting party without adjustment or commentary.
10:08:00
